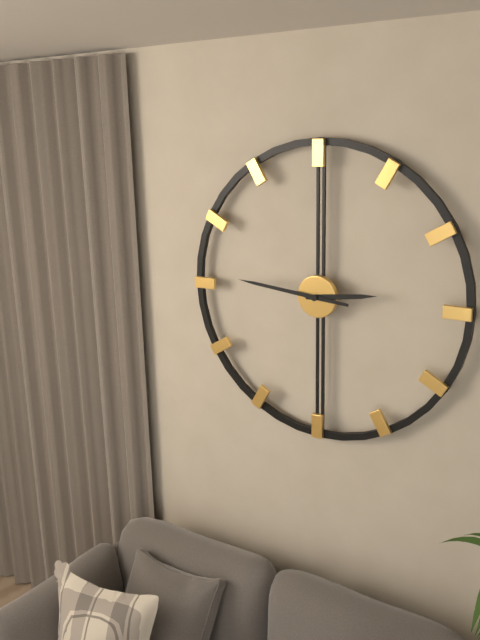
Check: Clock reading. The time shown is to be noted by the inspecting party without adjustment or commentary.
2:46
